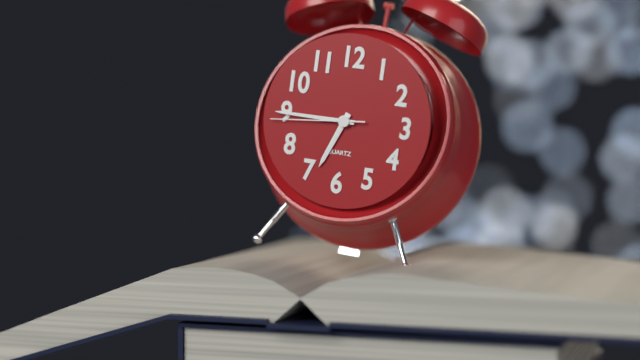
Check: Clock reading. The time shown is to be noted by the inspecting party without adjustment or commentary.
6:45:44
